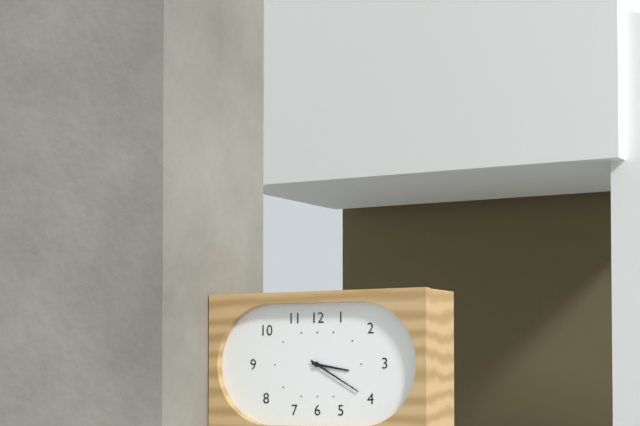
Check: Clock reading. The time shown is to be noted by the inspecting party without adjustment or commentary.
3:20
